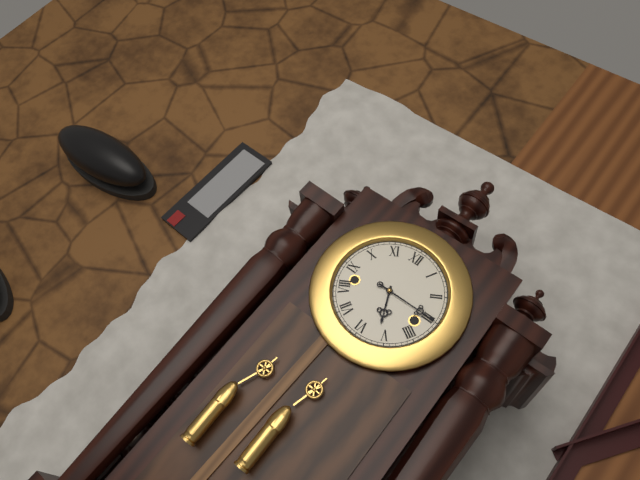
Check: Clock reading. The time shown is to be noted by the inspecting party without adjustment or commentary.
5:15
